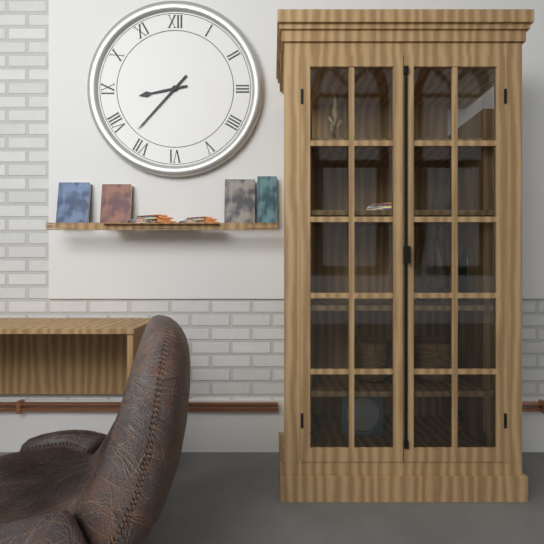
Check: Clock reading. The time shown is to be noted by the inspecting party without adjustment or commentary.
8:37
